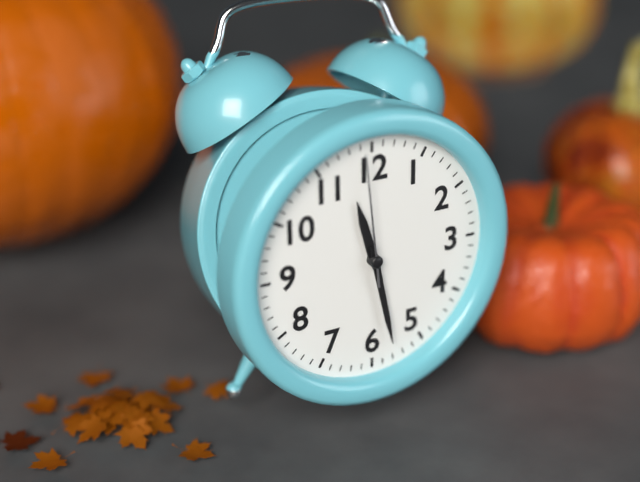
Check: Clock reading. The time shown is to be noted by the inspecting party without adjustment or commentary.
11:28:59
